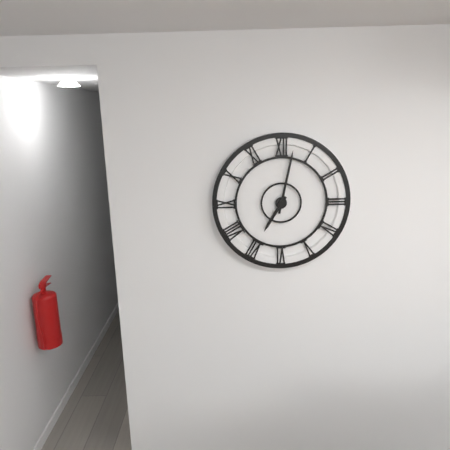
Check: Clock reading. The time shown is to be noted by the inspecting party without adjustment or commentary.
7:02
